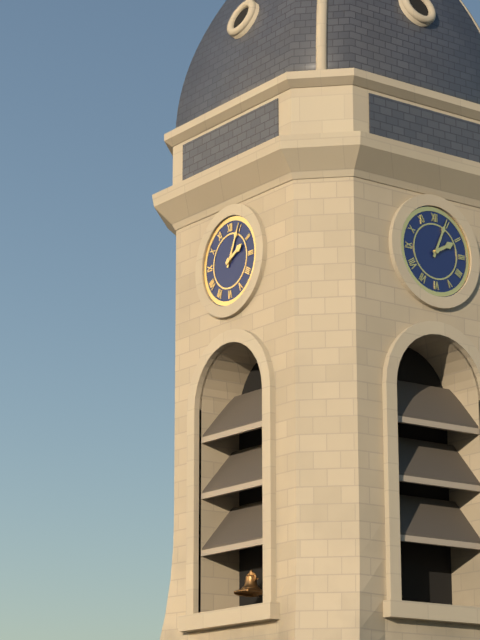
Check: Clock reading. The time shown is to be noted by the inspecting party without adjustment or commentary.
2:04
